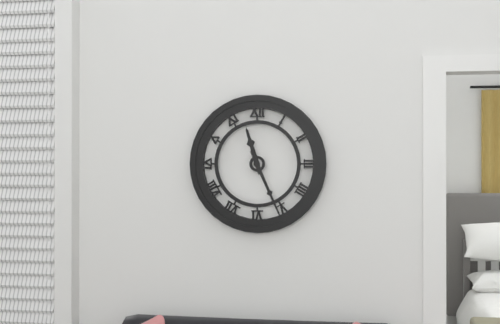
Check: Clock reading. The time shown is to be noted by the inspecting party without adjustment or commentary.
11:26
